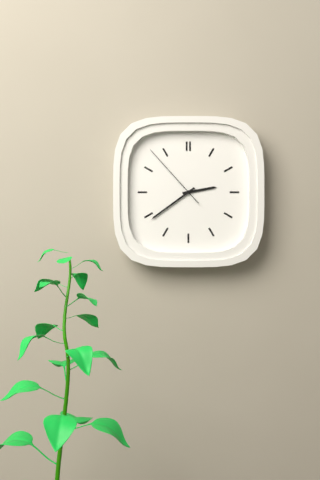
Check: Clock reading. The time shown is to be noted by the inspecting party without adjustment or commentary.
2:39:53
